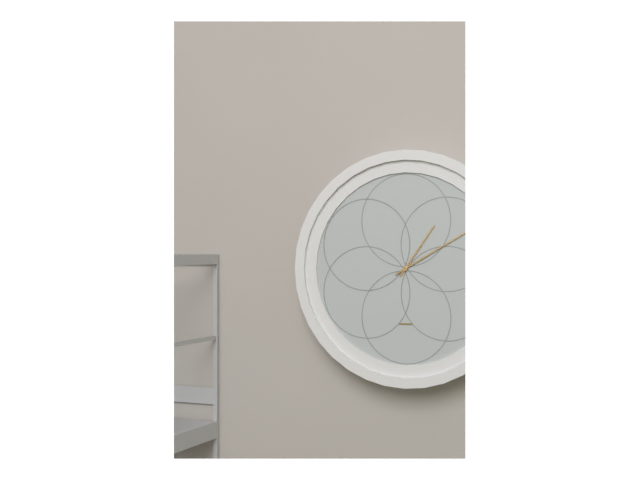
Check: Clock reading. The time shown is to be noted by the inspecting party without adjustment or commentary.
1:10
